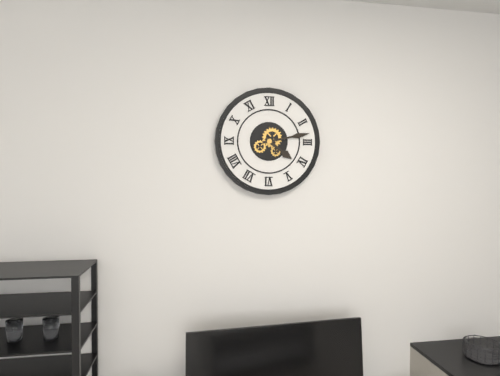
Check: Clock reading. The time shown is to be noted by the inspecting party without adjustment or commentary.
4:13
